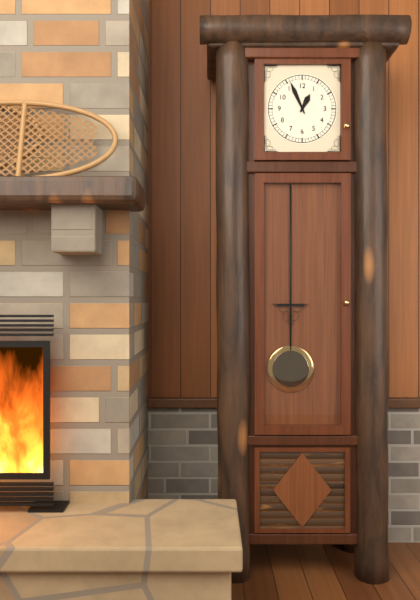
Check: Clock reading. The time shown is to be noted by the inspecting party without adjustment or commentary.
12:56
